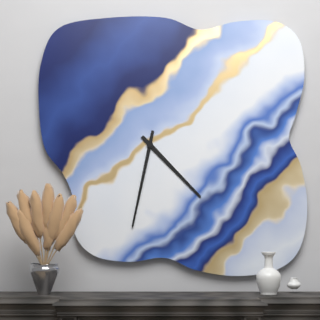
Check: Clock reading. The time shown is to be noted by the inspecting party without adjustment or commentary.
4:32
